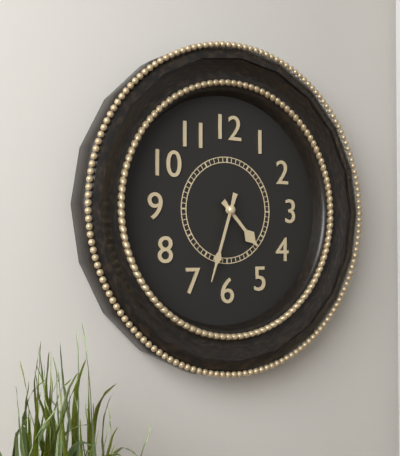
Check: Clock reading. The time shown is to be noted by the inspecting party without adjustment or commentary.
4:33
